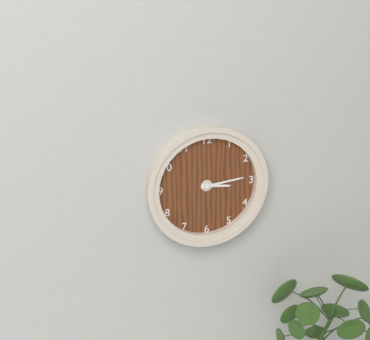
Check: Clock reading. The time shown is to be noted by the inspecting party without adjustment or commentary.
3:14
